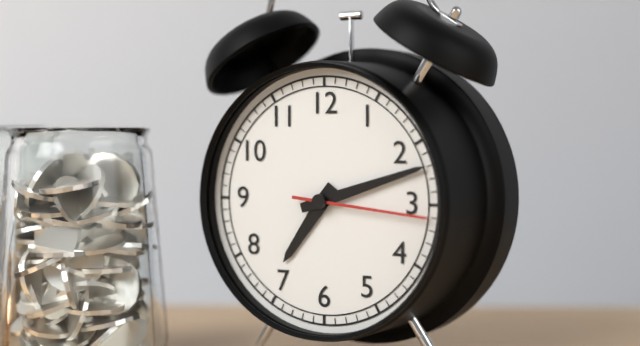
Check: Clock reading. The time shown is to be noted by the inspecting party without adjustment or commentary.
7:12:16
